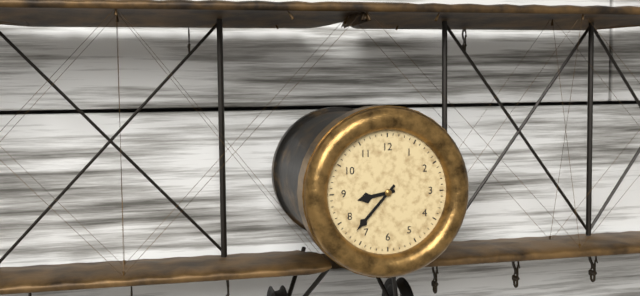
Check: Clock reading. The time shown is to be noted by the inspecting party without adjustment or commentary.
8:37
